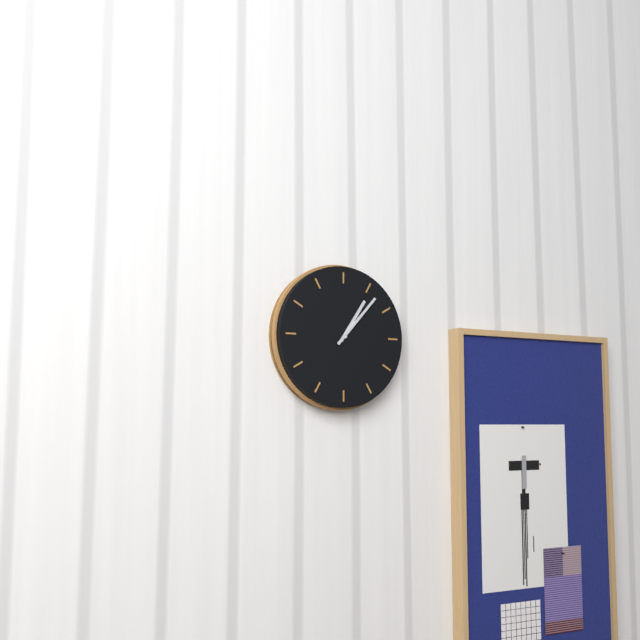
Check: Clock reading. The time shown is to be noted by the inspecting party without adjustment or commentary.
1:07
